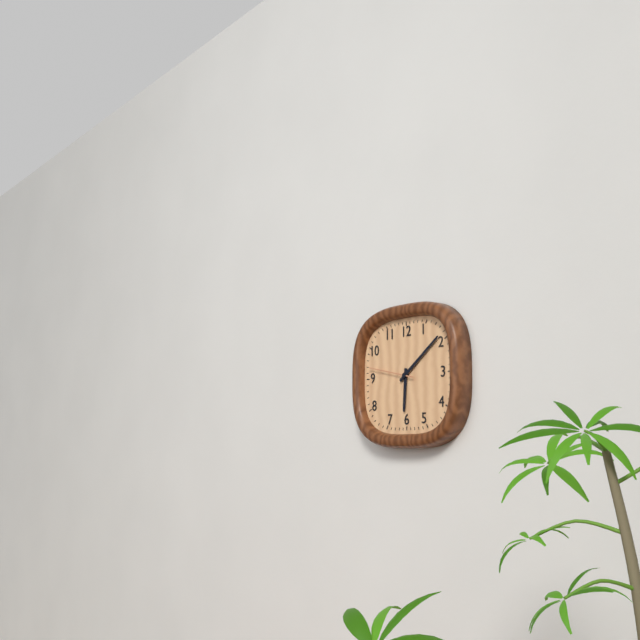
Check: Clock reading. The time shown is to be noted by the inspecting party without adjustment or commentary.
6:09
